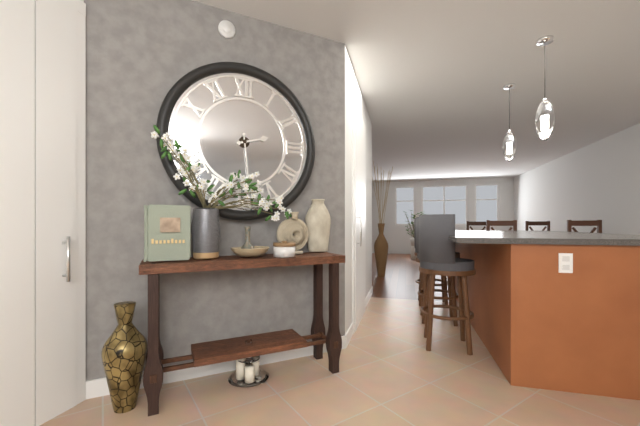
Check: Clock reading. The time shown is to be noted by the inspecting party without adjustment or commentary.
2:29
